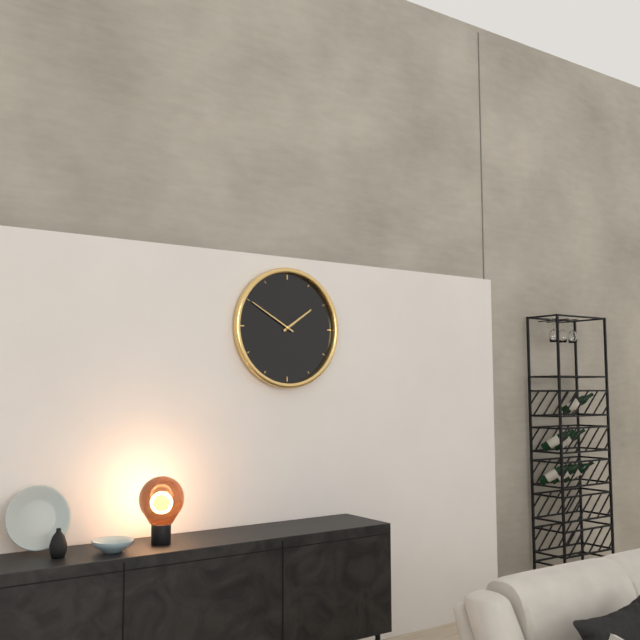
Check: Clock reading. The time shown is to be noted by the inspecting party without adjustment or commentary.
1:50
